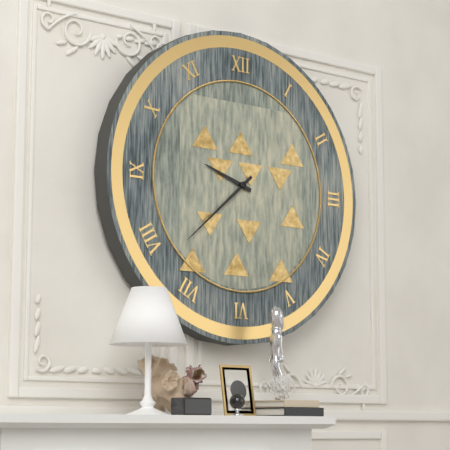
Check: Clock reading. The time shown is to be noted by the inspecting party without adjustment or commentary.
9:38
